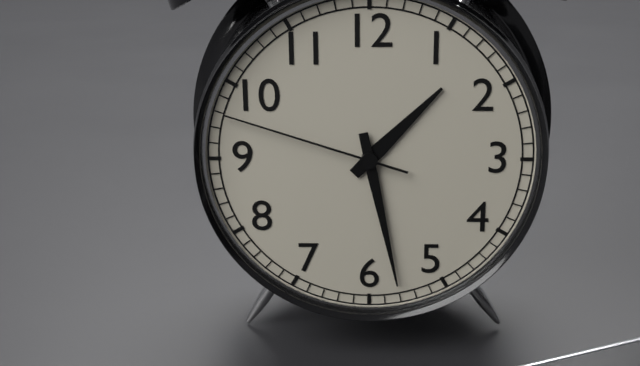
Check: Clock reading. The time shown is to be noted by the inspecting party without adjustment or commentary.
1:28:48
